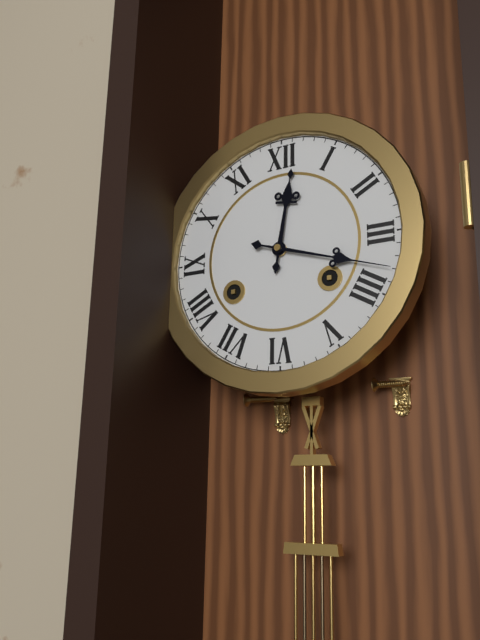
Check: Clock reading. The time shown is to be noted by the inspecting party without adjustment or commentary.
12:18
